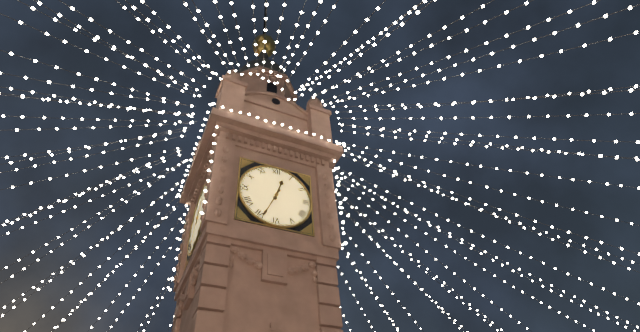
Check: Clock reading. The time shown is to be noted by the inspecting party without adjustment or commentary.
12:34
